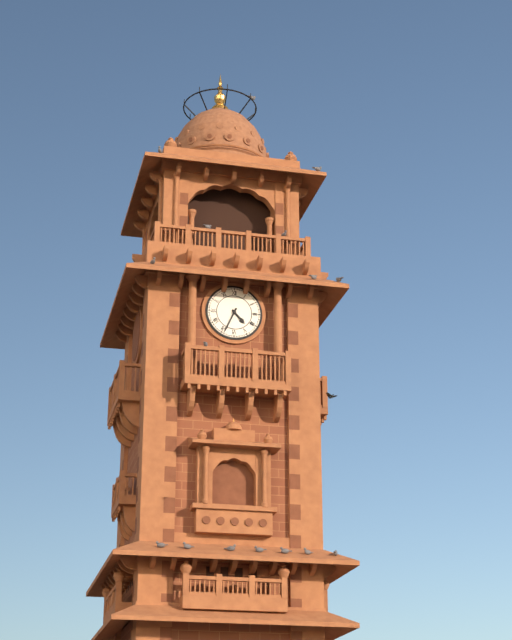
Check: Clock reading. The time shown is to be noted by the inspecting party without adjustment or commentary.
4:34
